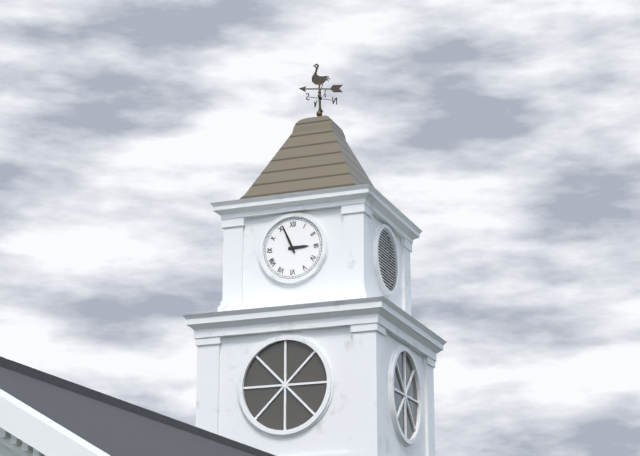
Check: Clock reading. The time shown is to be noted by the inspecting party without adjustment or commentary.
2:56
